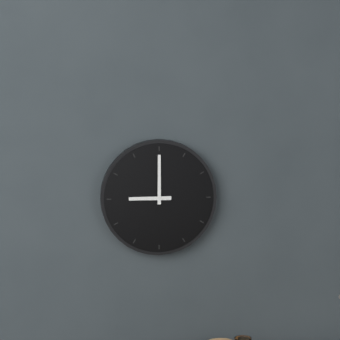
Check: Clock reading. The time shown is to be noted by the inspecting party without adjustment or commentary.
9:00
